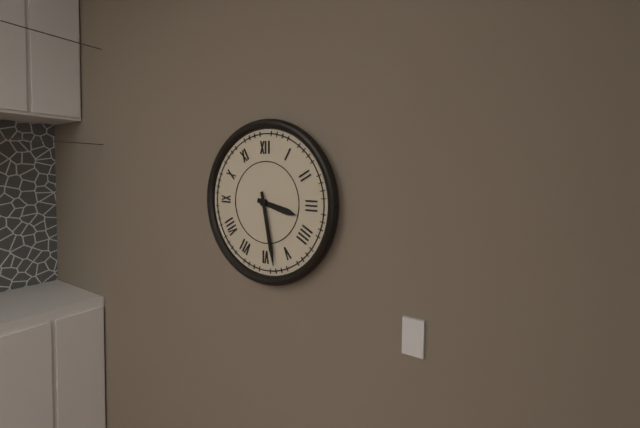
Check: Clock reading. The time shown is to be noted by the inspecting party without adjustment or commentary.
3:28
